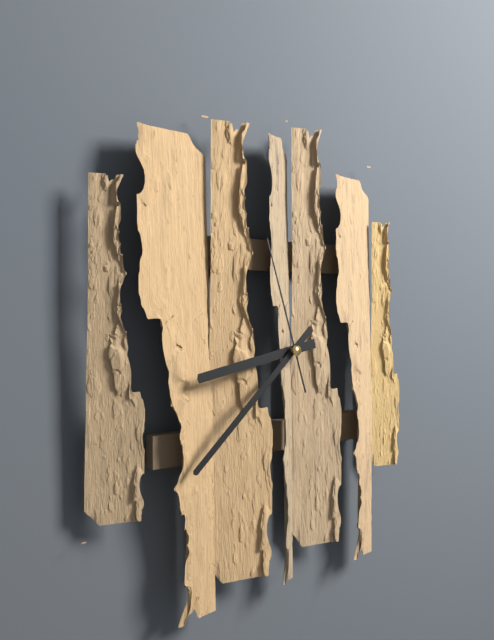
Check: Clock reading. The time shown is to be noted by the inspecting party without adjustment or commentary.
8:38:57
